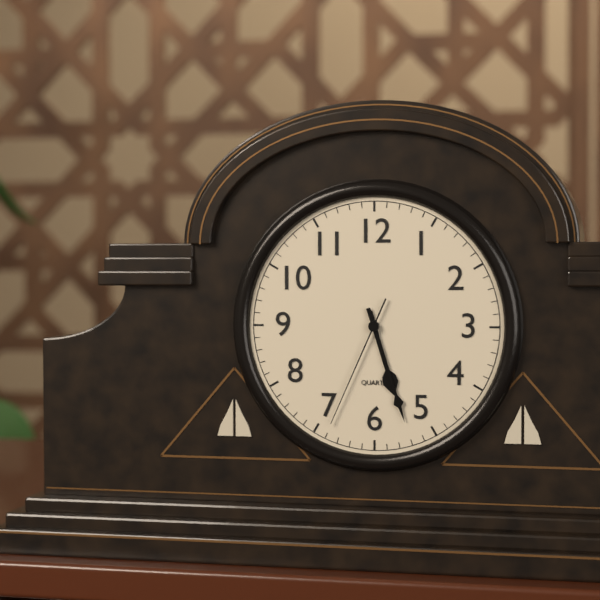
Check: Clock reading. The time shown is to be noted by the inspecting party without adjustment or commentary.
5:27:34
